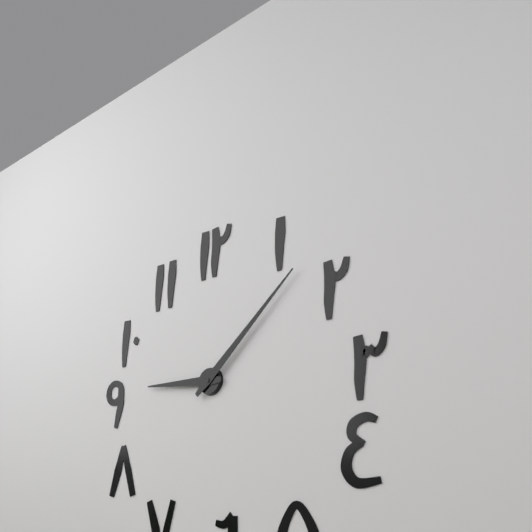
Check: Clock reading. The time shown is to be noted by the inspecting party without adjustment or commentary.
9:08
